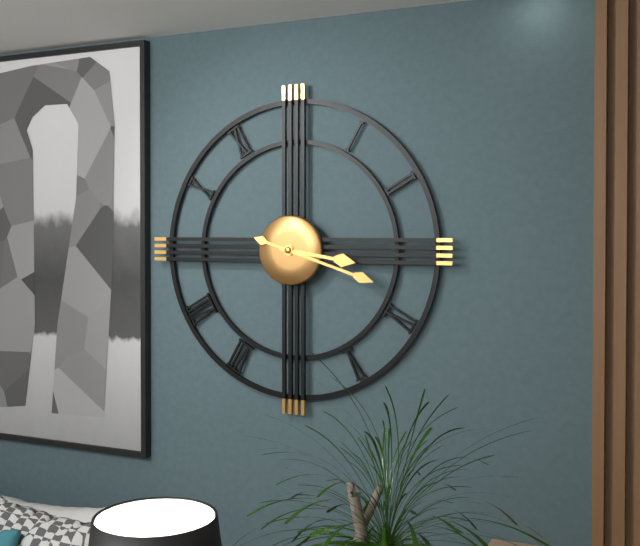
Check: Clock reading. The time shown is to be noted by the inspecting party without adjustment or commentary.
3:18
